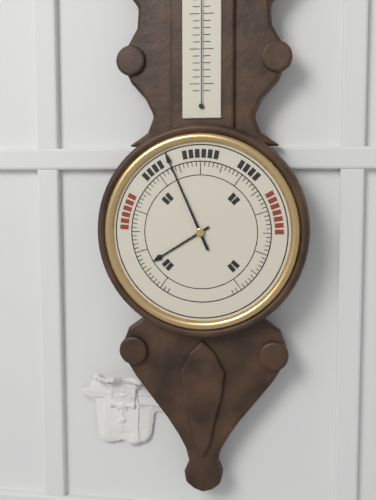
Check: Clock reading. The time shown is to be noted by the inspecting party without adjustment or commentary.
7:56
